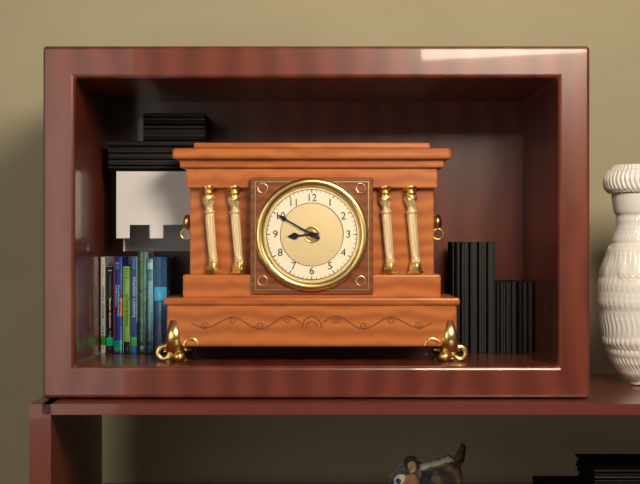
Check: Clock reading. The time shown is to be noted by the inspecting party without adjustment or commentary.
8:50
